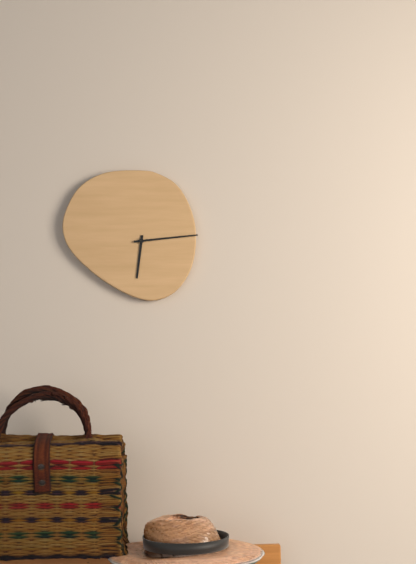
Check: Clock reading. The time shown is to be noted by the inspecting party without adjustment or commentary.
6:14
